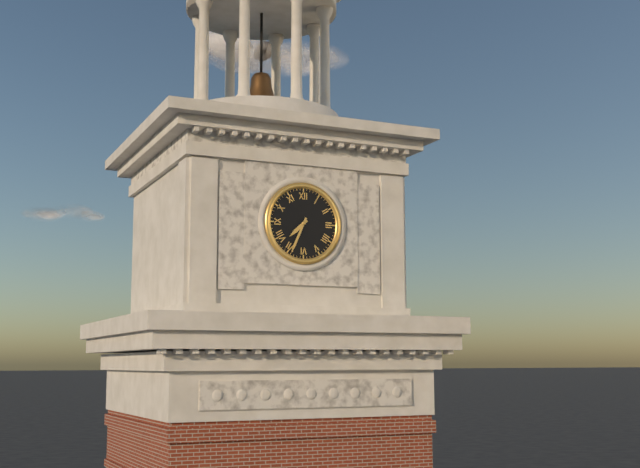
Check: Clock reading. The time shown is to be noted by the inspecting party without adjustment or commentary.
7:34
